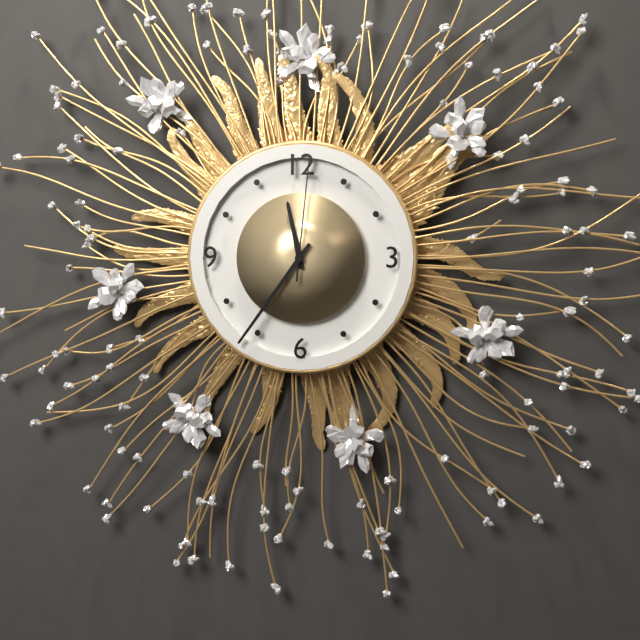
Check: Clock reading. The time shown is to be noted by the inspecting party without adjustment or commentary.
11:36:01
